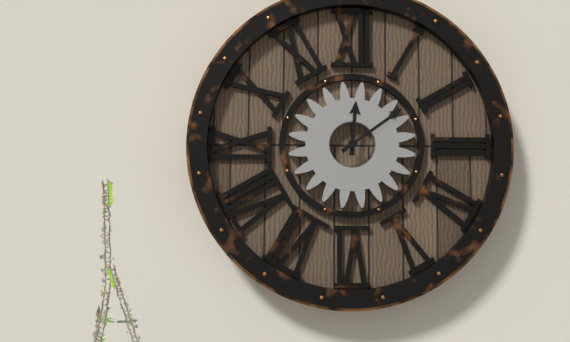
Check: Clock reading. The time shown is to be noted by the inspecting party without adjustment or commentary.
12:09
